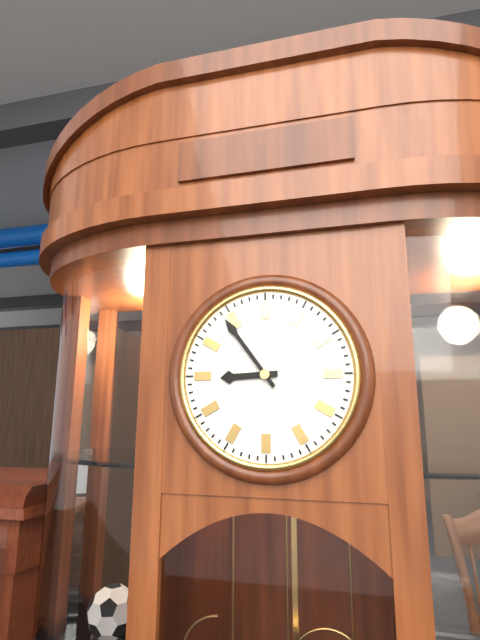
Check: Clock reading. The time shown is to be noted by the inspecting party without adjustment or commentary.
8:54
